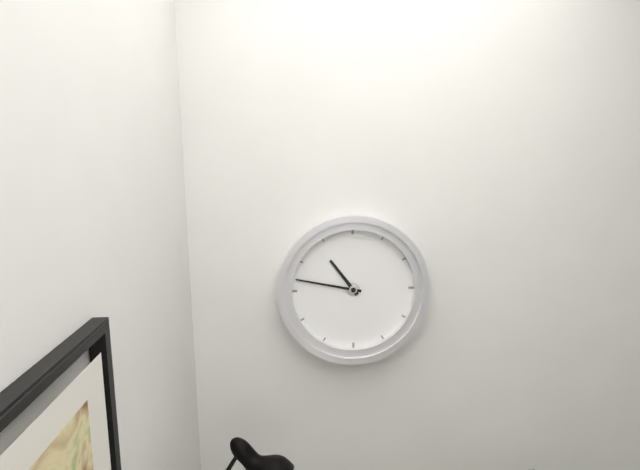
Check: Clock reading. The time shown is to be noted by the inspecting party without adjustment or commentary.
10:47
